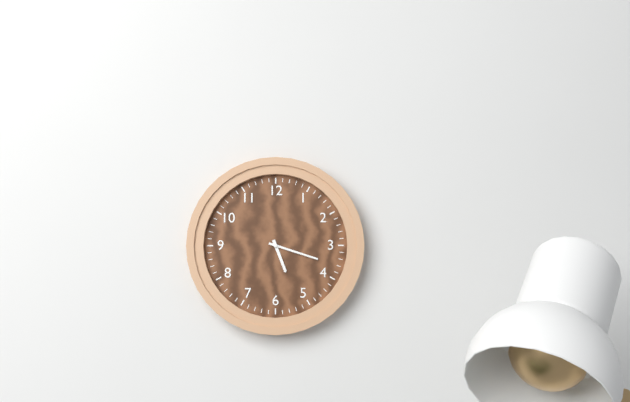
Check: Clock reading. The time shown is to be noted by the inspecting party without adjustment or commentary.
5:18
